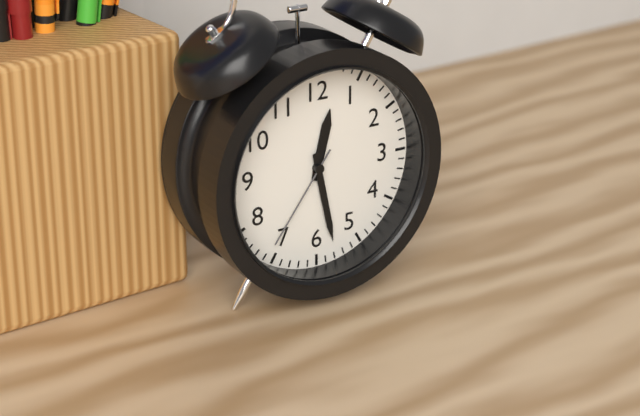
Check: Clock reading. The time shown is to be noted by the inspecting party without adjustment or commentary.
12:28:36
